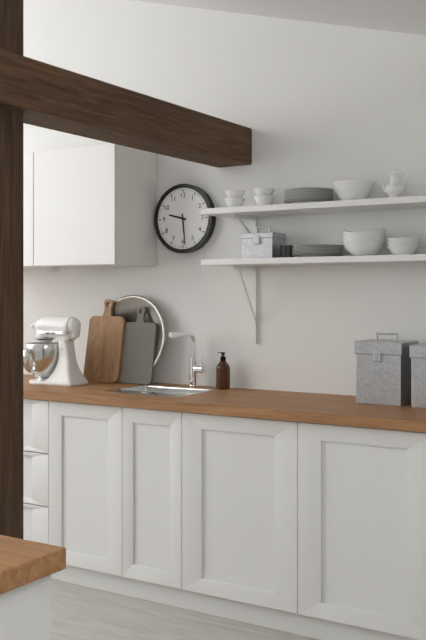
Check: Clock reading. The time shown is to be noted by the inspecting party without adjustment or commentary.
9:29
